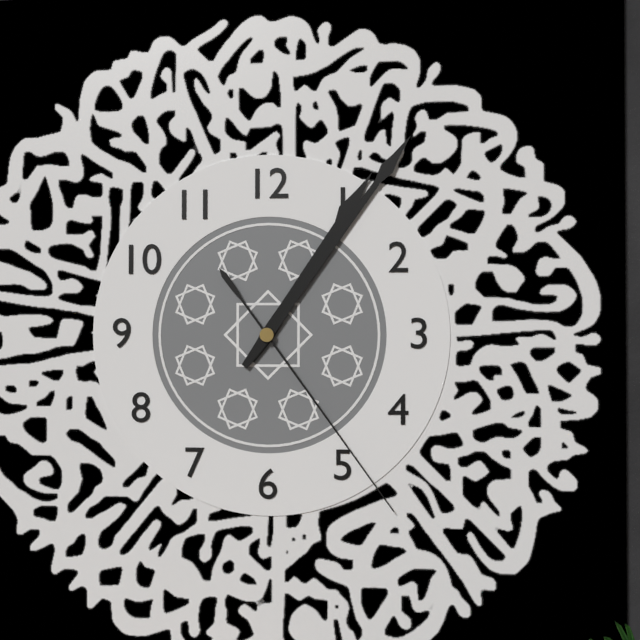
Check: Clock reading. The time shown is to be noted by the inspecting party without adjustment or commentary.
1:06:24
